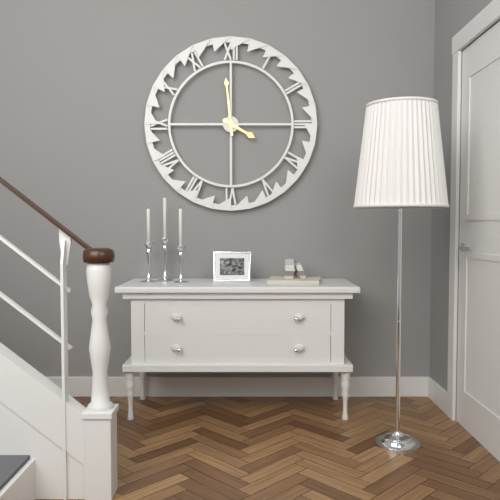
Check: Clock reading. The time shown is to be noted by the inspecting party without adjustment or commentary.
3:59
